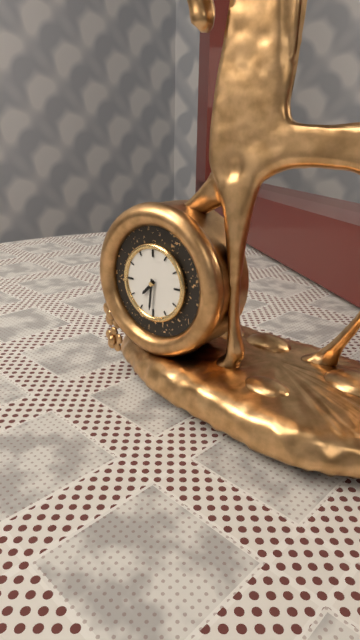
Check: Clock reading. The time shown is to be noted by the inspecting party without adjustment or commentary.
7:31
